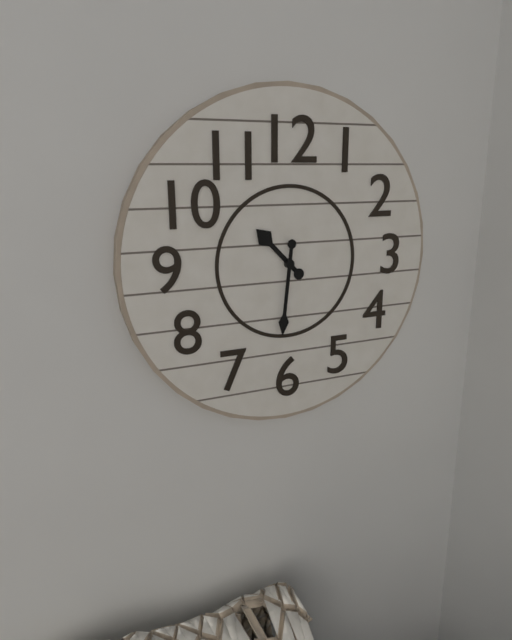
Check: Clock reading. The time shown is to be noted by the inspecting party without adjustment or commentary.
10:31
